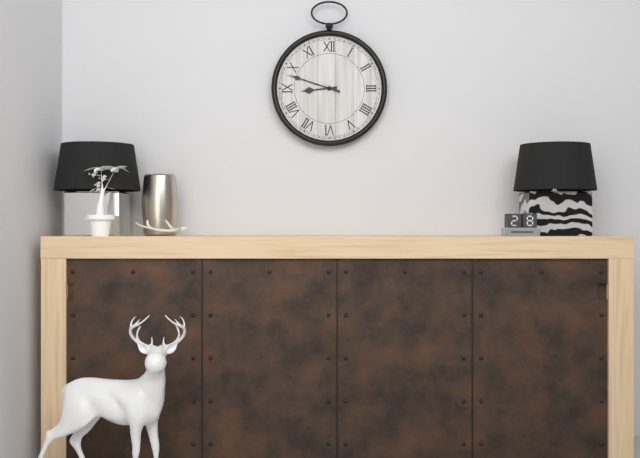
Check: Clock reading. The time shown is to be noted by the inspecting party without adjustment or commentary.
8:48
